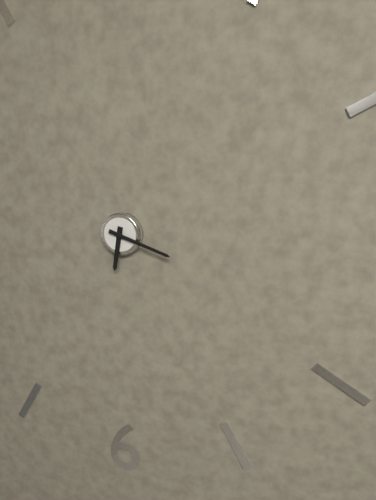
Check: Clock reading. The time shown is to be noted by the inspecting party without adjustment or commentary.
6:18
